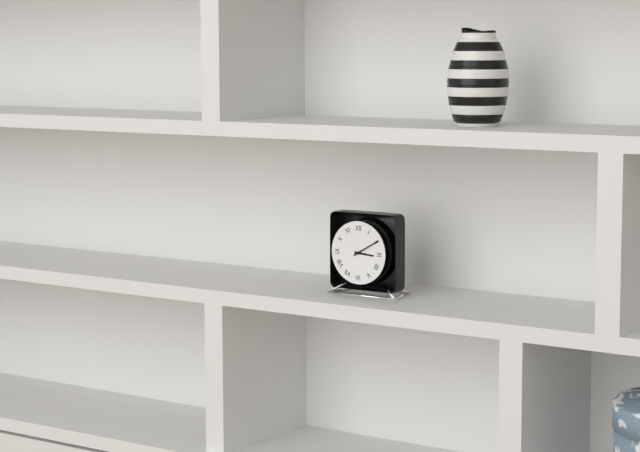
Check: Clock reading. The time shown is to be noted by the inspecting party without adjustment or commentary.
3:10
